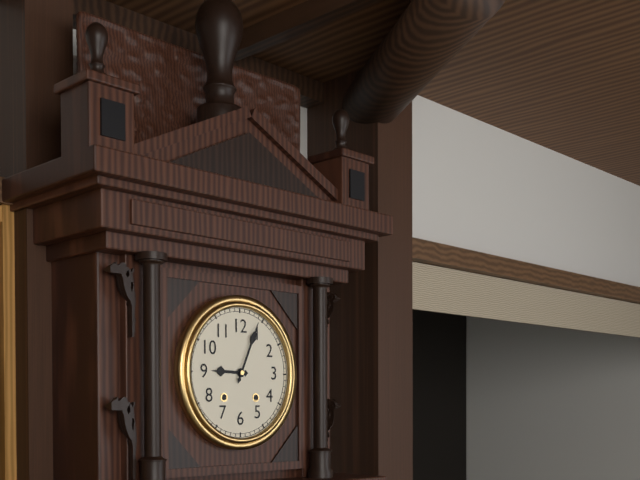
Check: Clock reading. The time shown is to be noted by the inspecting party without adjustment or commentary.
9:04
